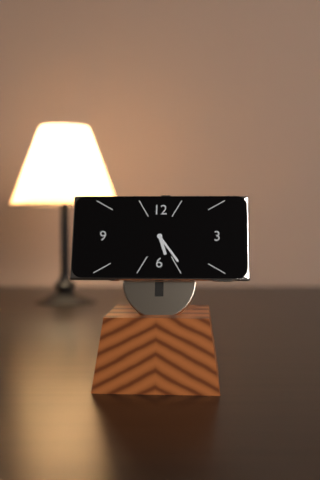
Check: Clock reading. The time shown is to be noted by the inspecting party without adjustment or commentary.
5:24
